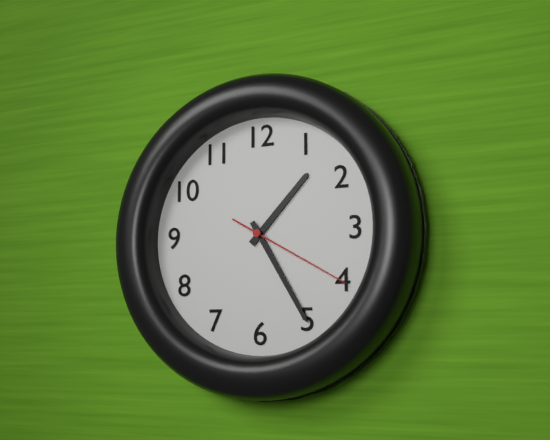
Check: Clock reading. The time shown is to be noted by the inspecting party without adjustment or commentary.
1:25:20
